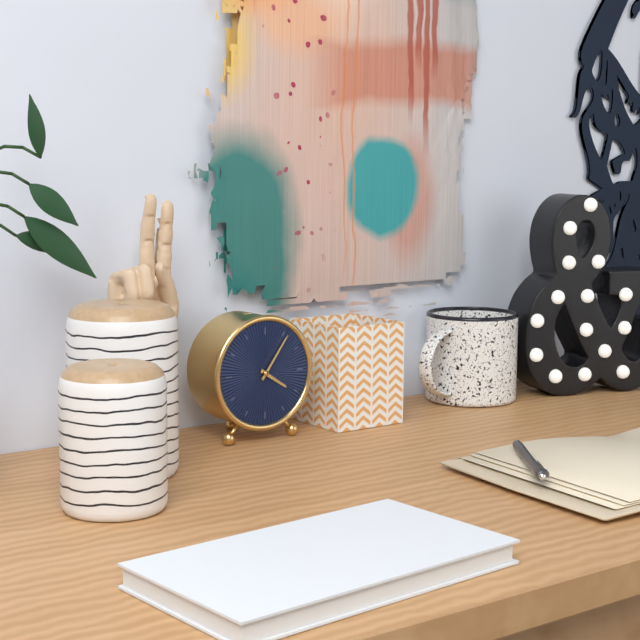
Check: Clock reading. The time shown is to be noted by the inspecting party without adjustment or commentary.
4:06
